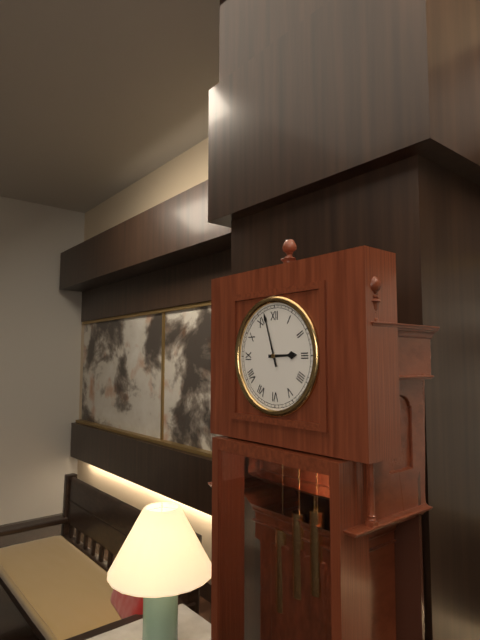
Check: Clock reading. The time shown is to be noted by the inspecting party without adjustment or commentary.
2:57
